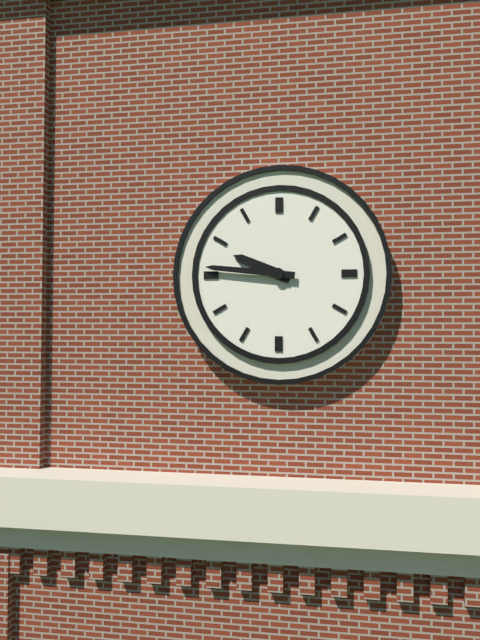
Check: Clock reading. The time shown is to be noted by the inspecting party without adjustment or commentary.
9:46
